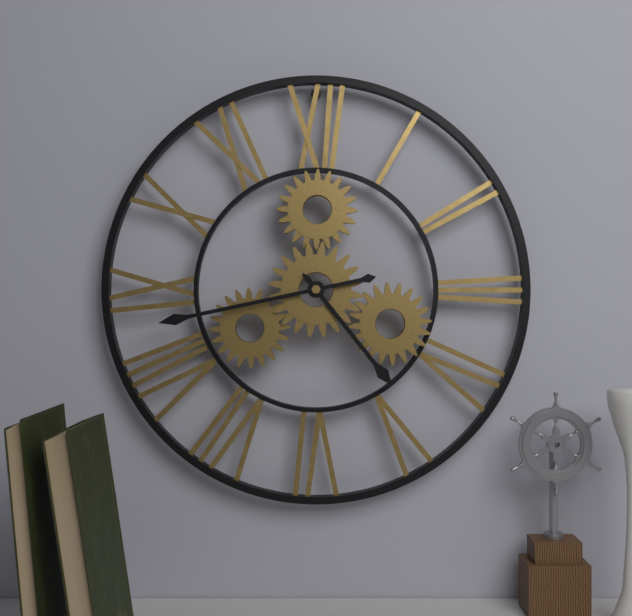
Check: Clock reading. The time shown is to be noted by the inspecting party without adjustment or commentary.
4:43
